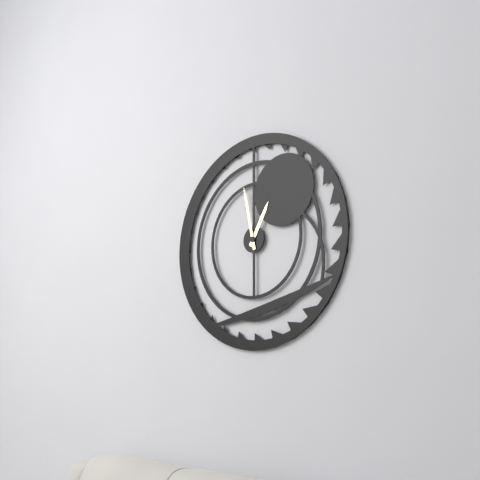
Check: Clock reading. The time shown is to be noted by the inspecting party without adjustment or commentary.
12:58
